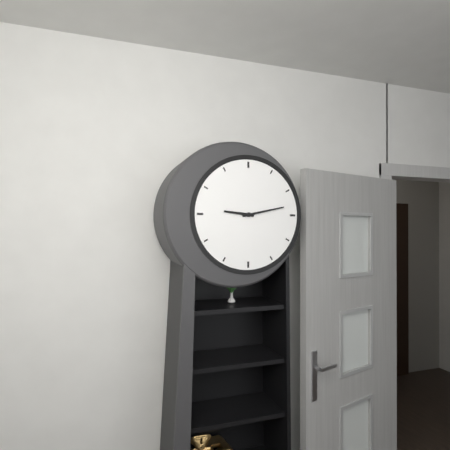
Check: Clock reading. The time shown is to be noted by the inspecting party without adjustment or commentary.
9:13
